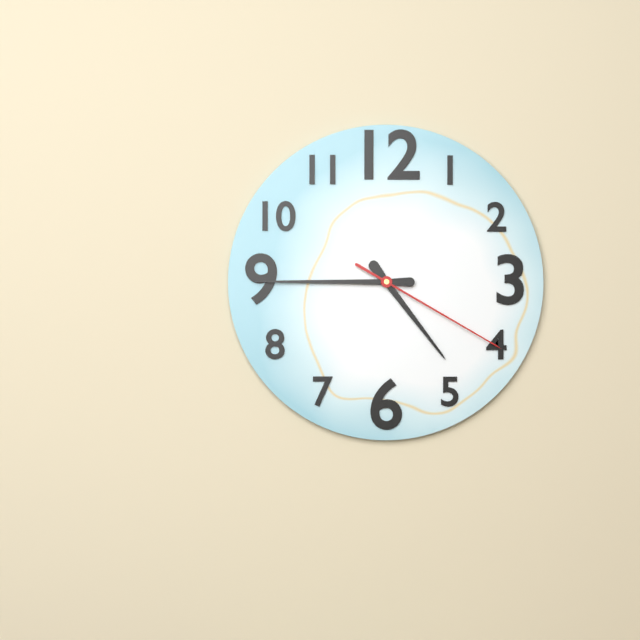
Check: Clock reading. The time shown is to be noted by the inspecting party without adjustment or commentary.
4:45:20
